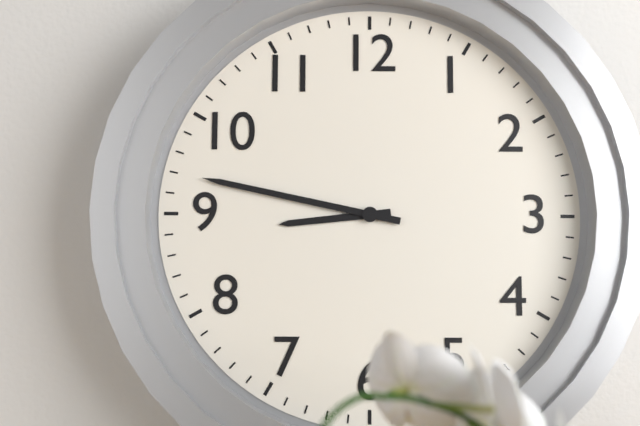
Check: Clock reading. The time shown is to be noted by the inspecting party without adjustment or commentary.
8:47
